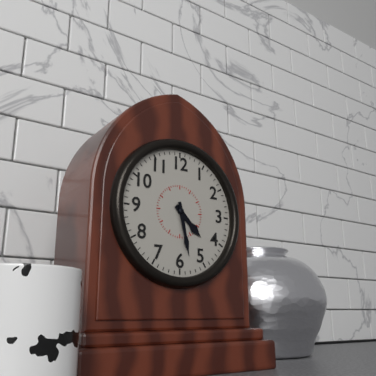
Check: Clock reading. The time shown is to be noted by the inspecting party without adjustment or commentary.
4:28
